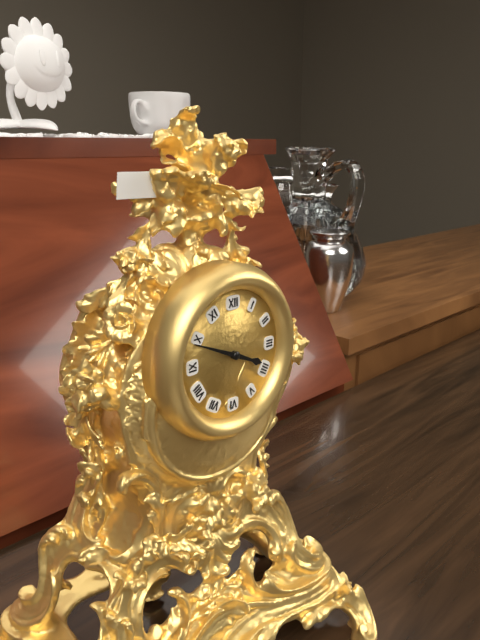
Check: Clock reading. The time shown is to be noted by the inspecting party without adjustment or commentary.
3:49
